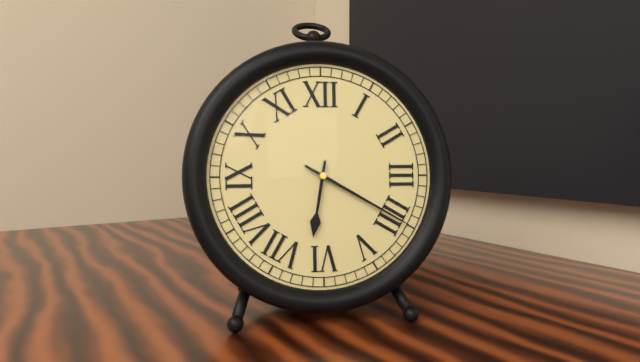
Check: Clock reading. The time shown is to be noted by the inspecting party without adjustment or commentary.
6:20
